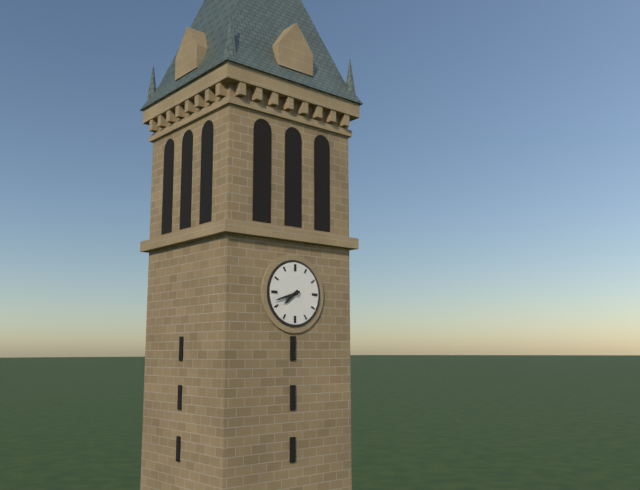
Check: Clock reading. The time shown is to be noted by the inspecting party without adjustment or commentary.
7:42
